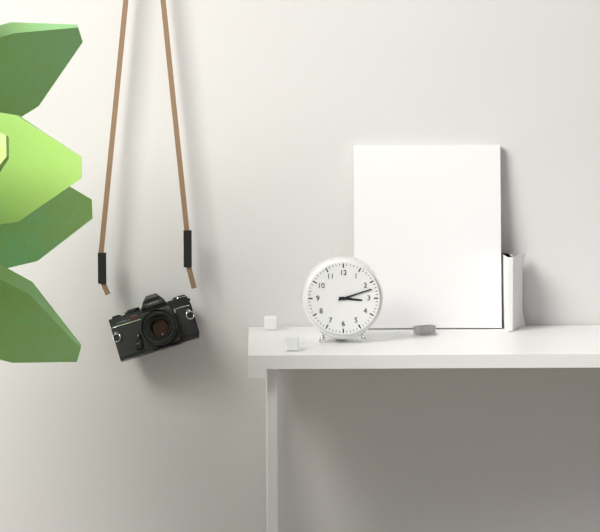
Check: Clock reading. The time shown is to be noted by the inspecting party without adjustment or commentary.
3:12
